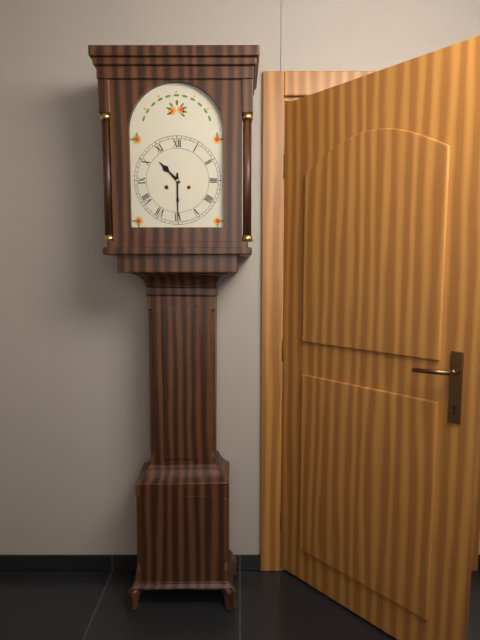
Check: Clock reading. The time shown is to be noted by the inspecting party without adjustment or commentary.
10:30
